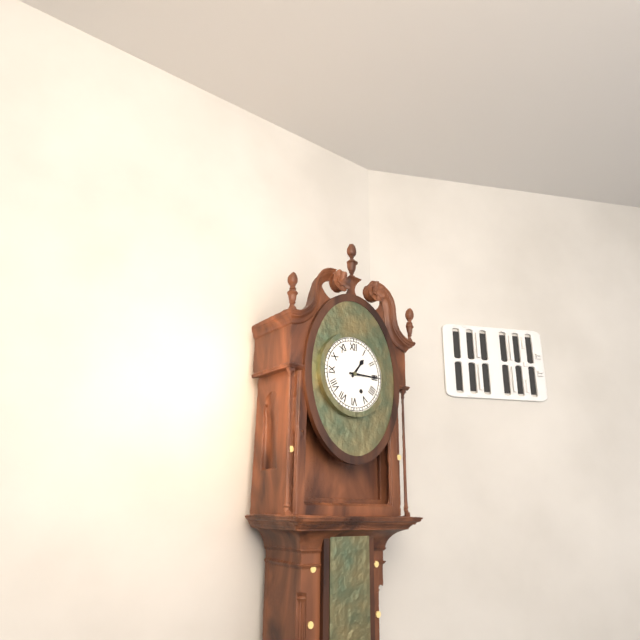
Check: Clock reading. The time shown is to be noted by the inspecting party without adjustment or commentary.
1:15
